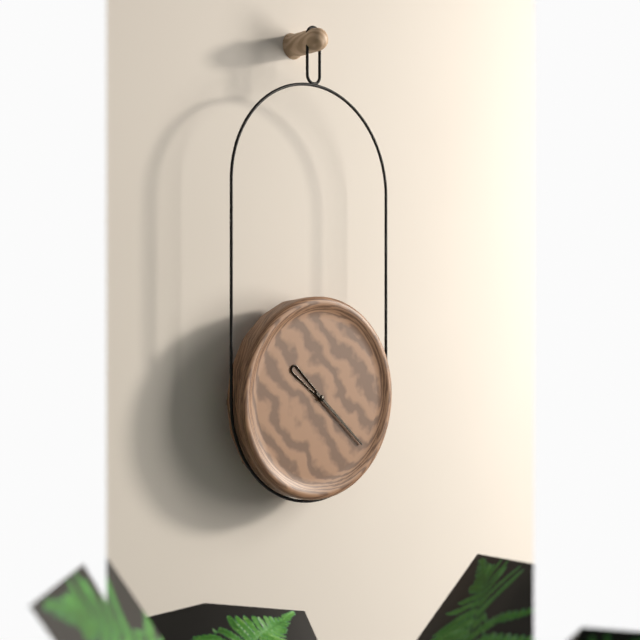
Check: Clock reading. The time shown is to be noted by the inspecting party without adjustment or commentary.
10:22
